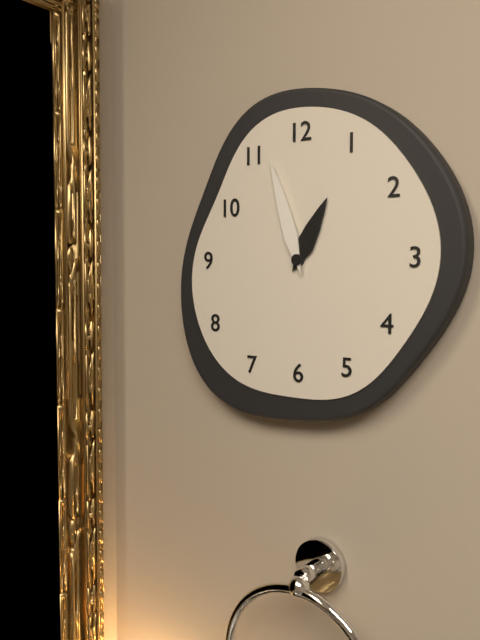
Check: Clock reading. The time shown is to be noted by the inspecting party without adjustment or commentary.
12:57
